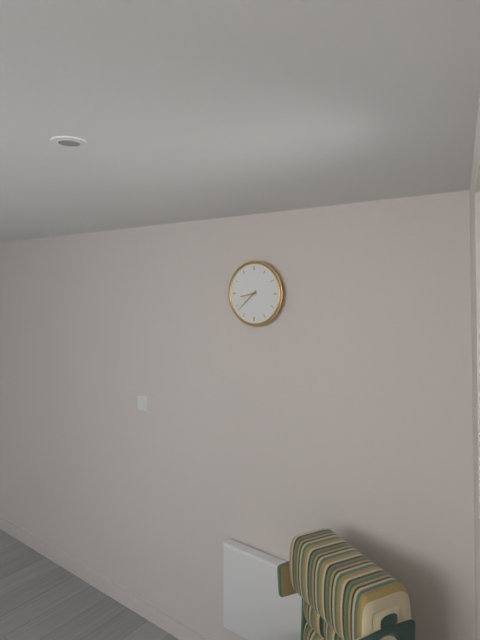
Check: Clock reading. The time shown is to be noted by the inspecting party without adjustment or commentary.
8:38
